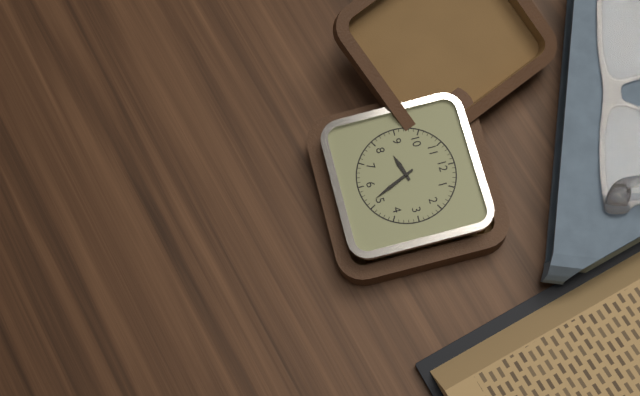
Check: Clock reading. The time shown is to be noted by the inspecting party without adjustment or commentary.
8:26
